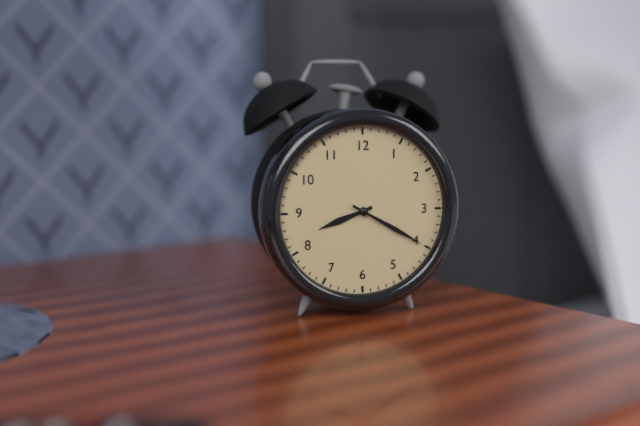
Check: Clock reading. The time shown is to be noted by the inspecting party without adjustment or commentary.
8:20
